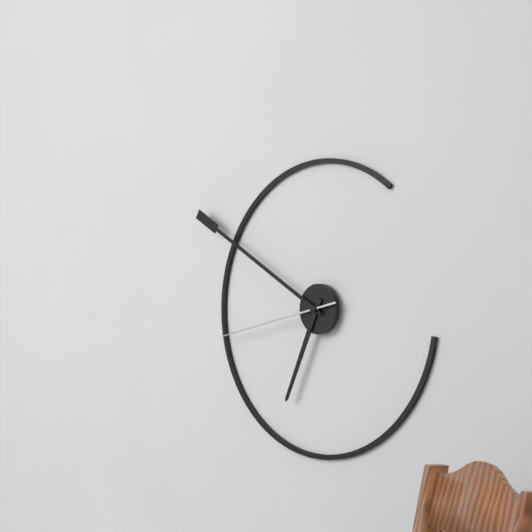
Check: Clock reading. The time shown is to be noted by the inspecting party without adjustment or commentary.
6:50:43
